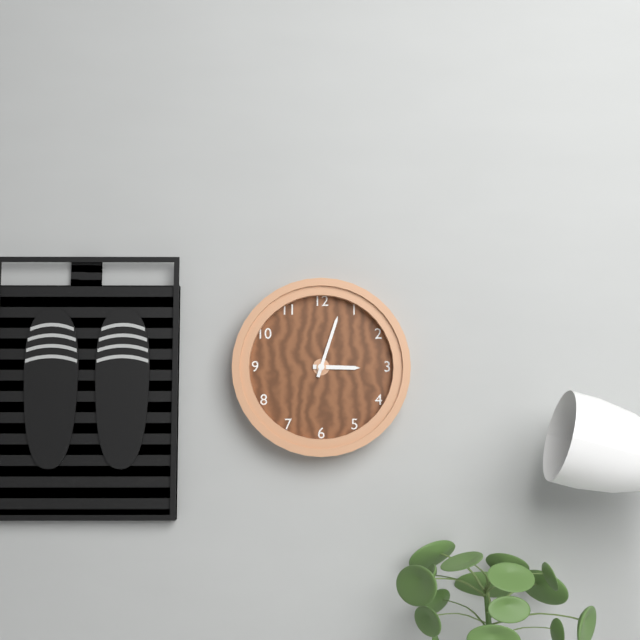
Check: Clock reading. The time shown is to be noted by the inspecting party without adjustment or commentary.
3:03
